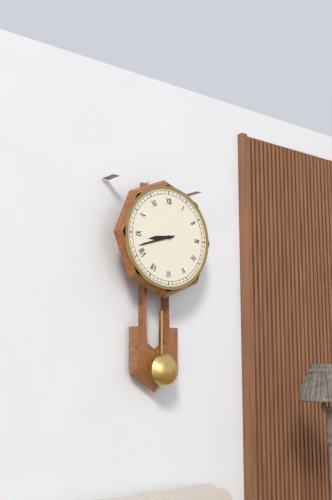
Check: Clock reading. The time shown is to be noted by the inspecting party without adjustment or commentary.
8:42
